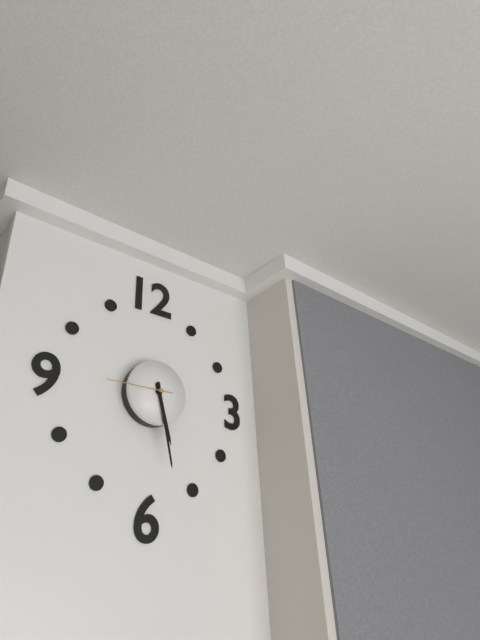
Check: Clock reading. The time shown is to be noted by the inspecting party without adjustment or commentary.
5:28:45
